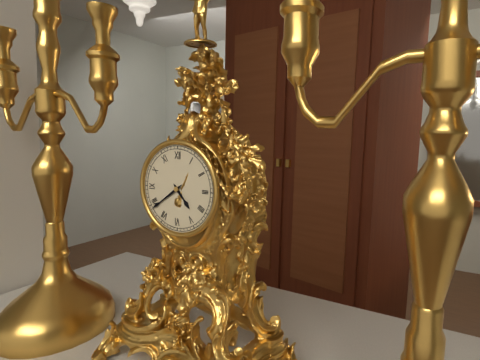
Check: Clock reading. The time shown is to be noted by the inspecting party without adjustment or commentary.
4:39
